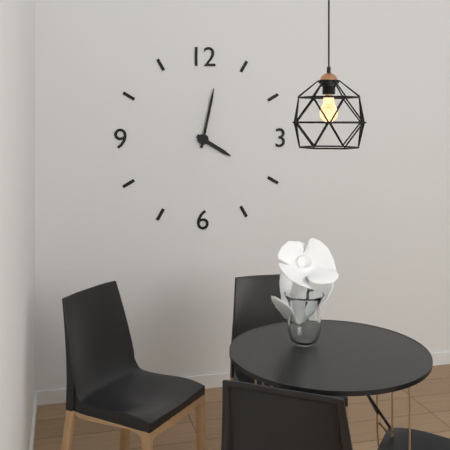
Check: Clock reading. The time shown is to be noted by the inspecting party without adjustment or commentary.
4:02
